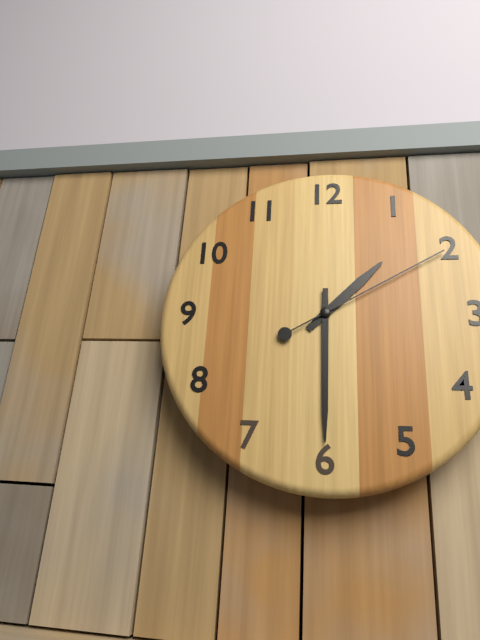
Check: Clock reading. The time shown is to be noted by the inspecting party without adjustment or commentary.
1:30:10
